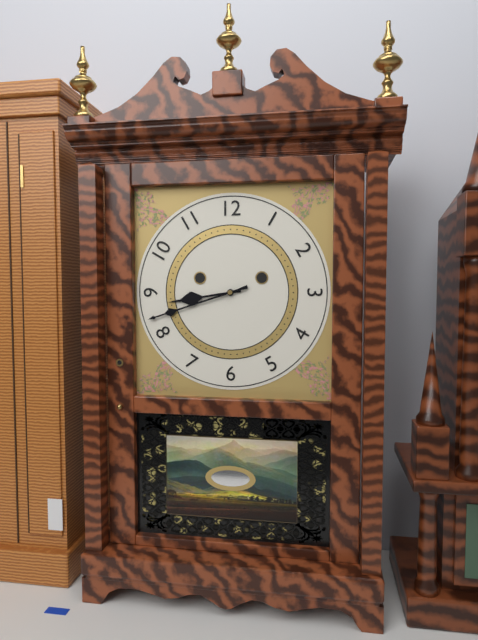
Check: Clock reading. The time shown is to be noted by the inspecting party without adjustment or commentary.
8:42
